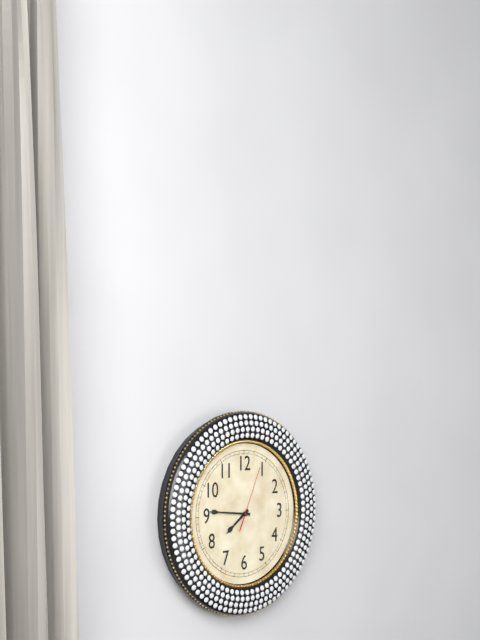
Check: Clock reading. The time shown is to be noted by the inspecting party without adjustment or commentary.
7:46:04
